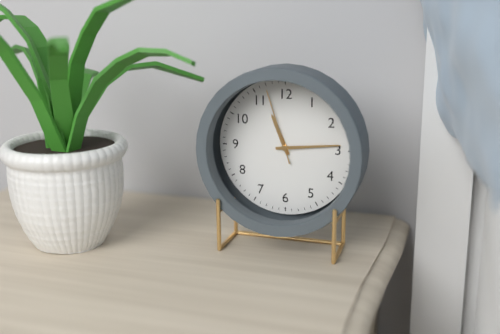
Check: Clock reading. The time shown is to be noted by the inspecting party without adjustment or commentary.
11:14:57
